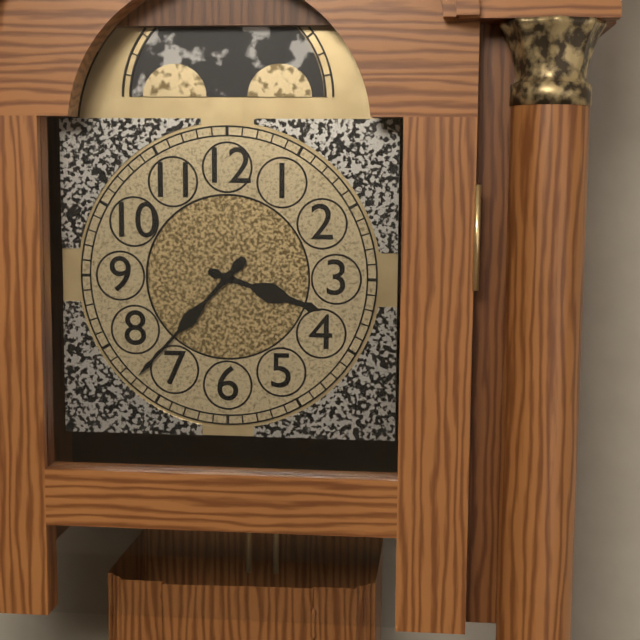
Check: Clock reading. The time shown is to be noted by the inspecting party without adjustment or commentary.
3:37
